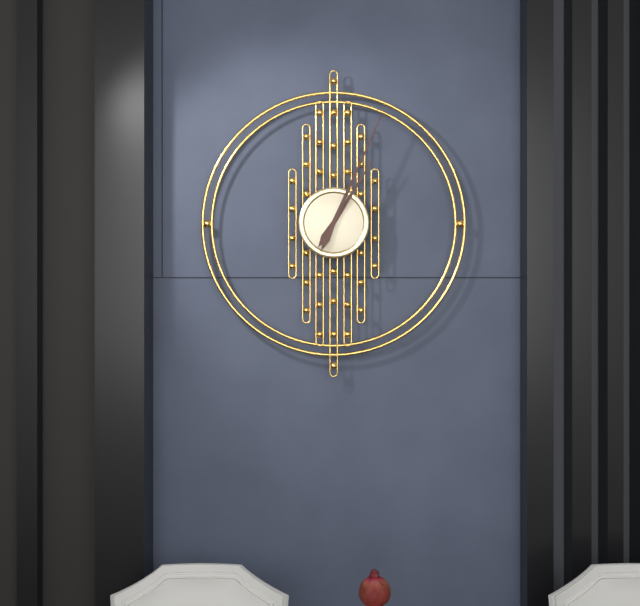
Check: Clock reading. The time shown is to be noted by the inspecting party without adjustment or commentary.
1:04
